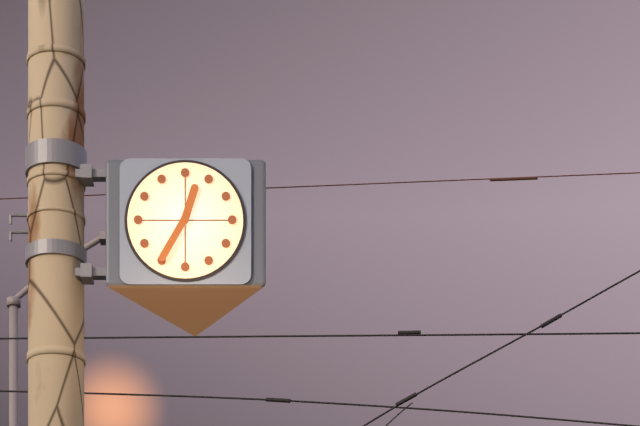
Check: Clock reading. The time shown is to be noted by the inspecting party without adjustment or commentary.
12:35
